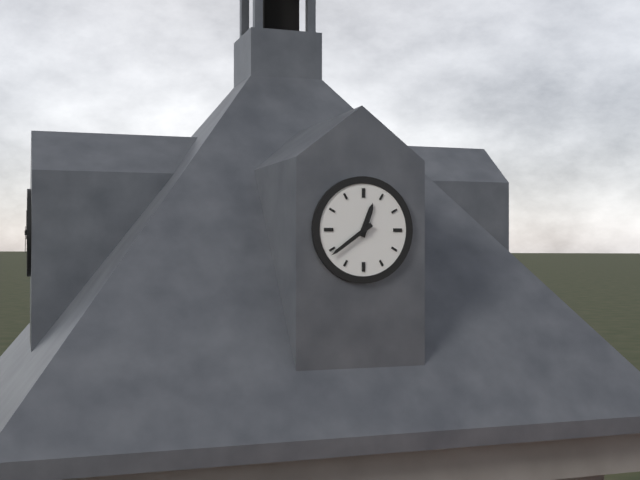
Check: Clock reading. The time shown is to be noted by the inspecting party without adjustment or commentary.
12:39
